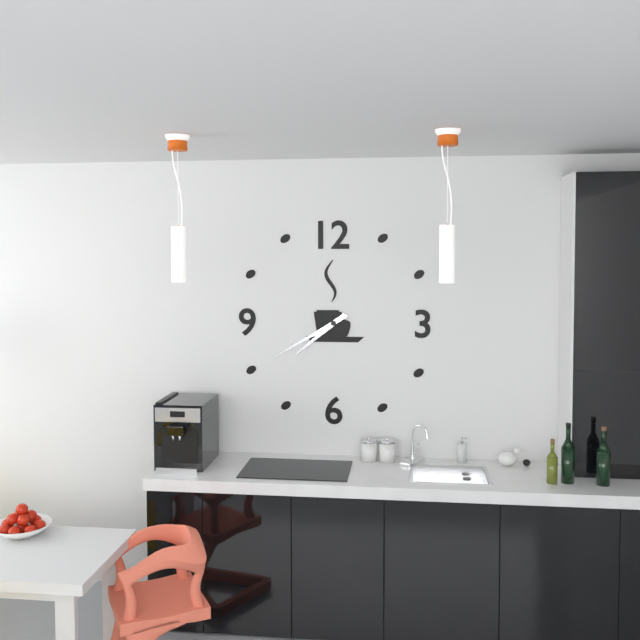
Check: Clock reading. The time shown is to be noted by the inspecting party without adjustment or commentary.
7:40
